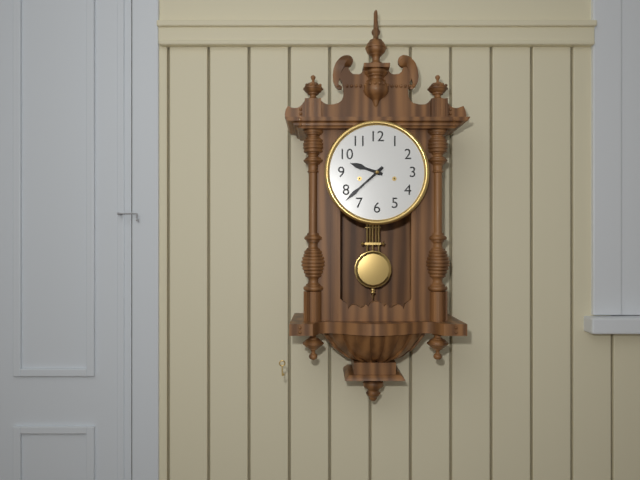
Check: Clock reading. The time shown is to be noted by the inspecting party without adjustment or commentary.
9:38
